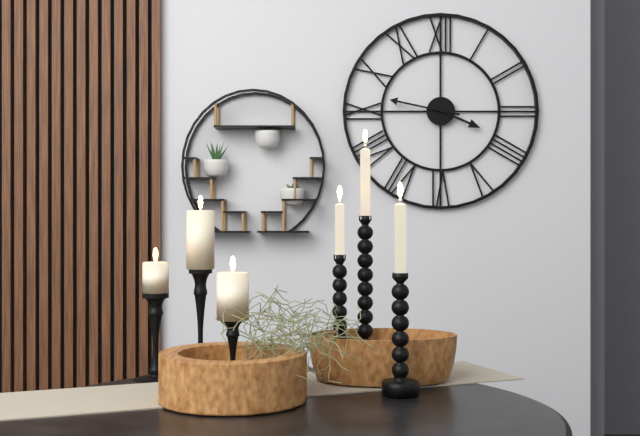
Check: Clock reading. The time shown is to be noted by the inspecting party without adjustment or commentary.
3:47
